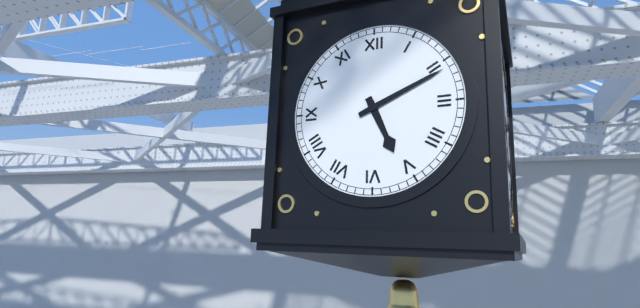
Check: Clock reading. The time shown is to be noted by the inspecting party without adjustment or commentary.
5:11
